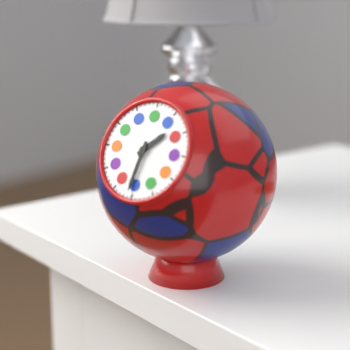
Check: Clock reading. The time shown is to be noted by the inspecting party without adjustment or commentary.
1:31
